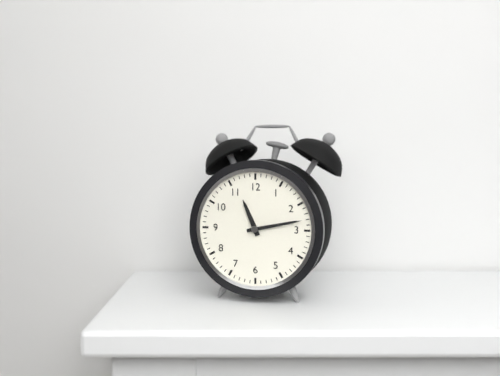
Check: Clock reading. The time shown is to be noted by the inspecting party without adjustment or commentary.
11:13
